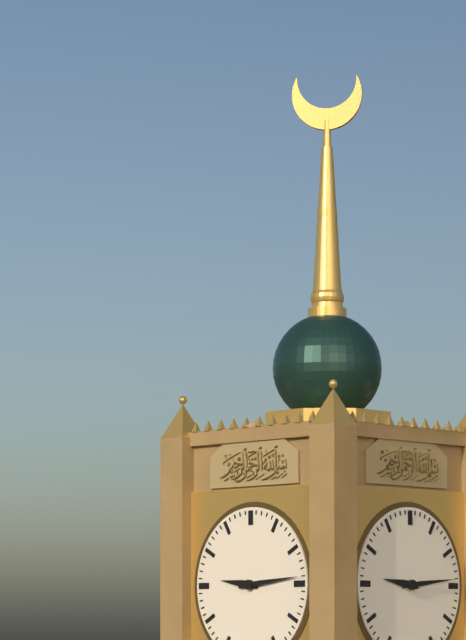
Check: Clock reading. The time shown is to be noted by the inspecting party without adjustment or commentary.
9:14
